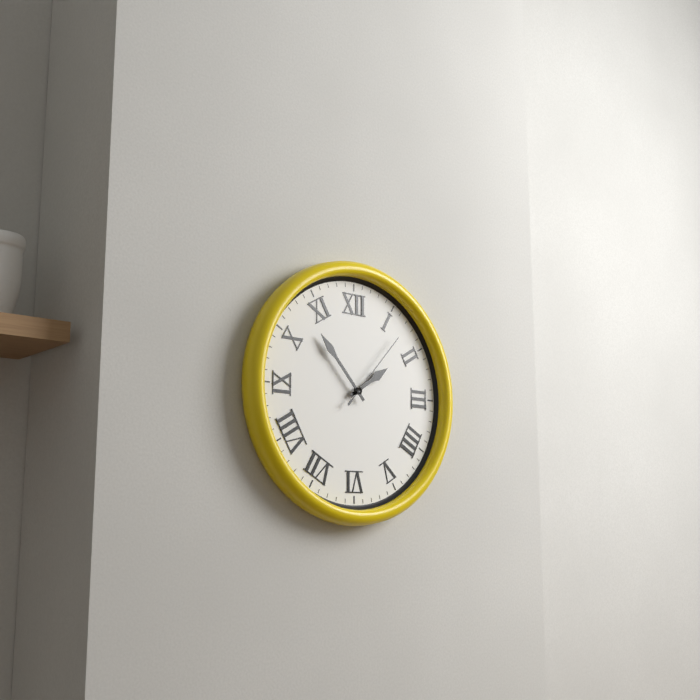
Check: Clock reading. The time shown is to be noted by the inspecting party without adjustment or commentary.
1:53:07
